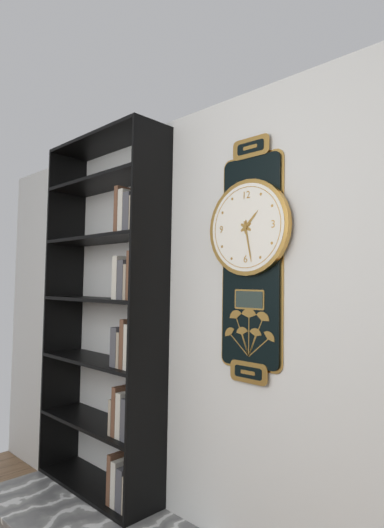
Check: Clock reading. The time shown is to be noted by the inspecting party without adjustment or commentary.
1:28
